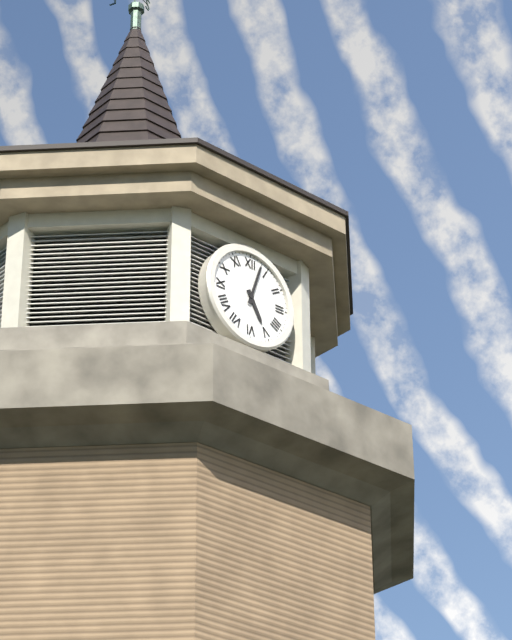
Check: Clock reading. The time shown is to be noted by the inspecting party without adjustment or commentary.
5:03
